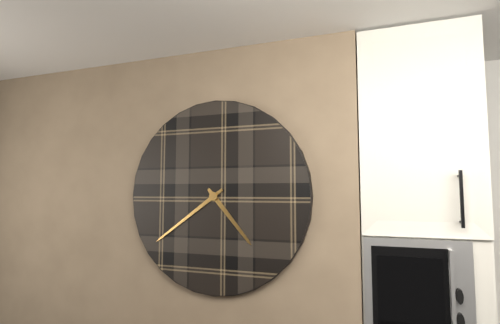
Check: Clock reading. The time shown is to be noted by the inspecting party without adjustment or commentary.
4:39
